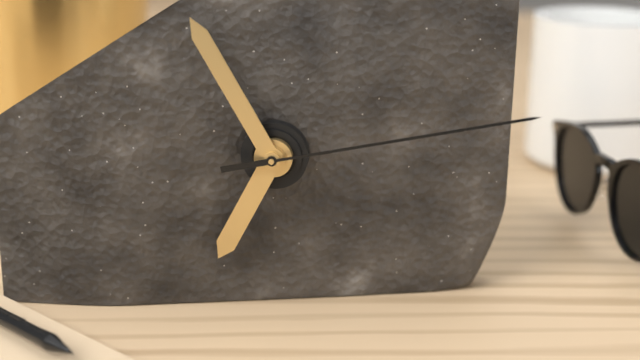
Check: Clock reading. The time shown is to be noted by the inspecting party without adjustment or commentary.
6:55:13
